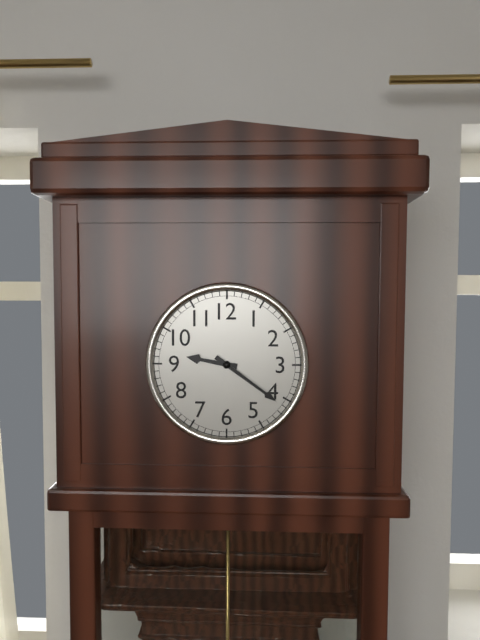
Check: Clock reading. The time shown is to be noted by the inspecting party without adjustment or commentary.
9:21
